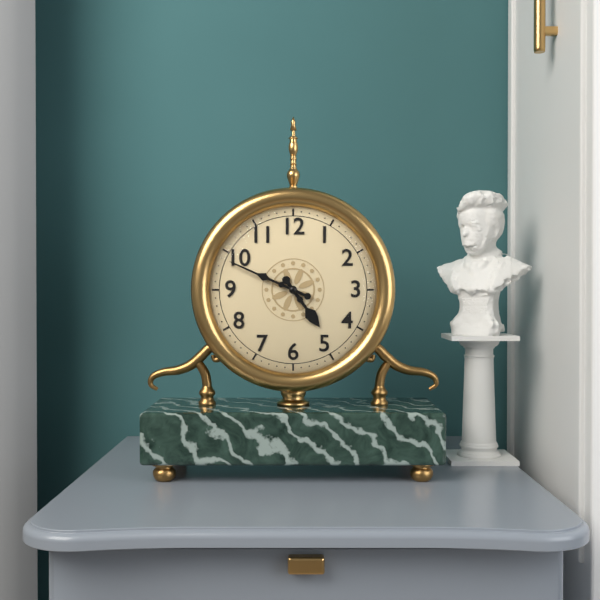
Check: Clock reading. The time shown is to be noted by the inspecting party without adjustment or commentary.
4:49
